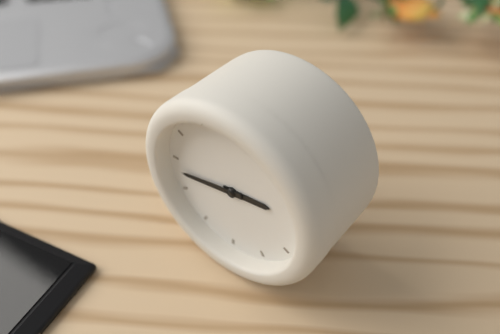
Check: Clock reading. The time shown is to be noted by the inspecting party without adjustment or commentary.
2:43
